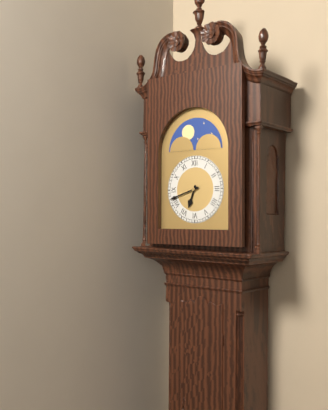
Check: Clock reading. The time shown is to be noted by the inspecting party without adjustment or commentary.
6:42
